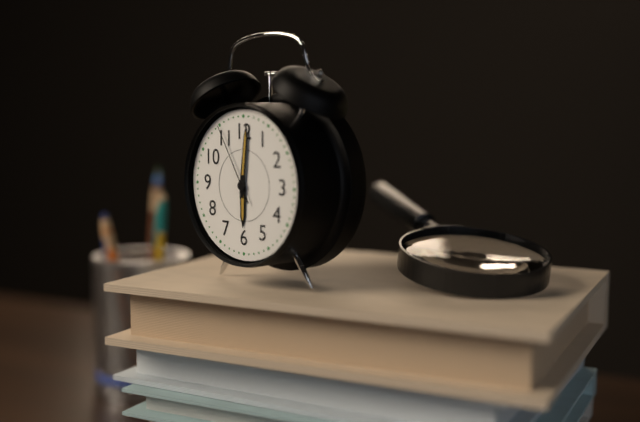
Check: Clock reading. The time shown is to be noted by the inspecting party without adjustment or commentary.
6:01:55
